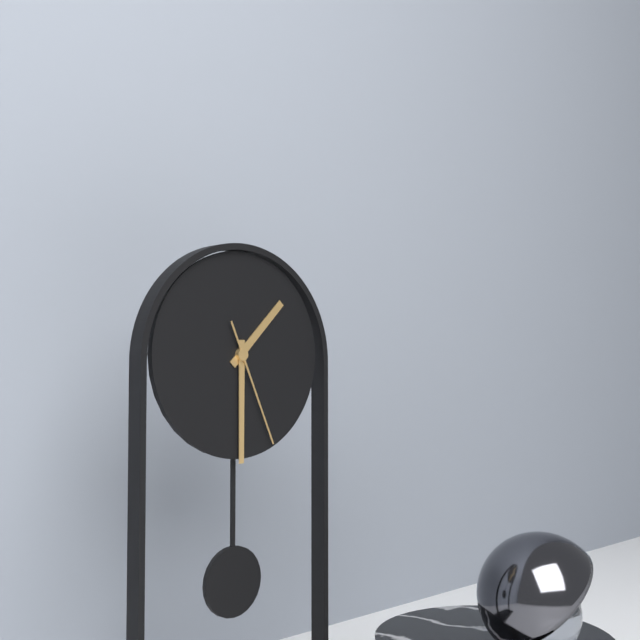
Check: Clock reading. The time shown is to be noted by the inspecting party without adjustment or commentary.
1:30:26
